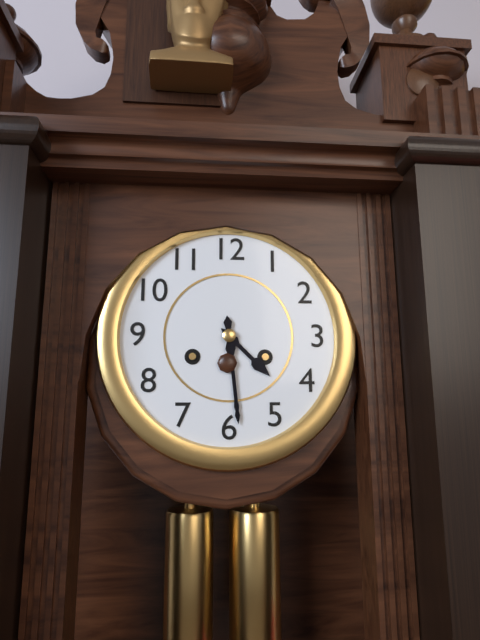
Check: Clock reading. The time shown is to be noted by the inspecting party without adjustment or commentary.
4:29
